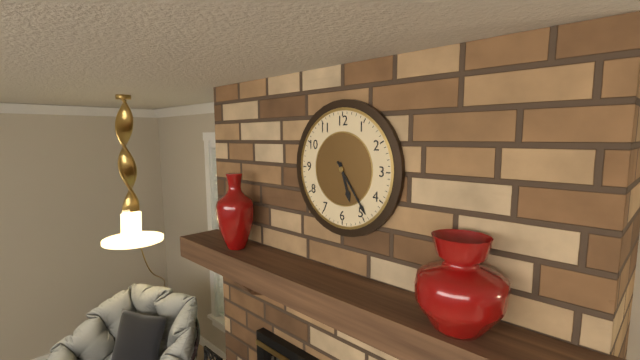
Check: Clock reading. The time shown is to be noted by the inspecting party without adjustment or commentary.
5:24
